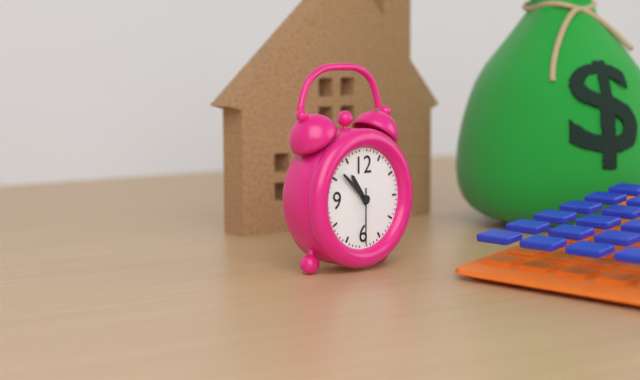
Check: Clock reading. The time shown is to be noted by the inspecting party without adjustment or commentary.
10:52:30
